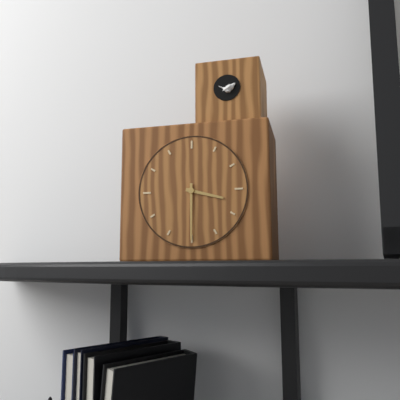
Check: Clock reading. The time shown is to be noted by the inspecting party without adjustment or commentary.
3:30
